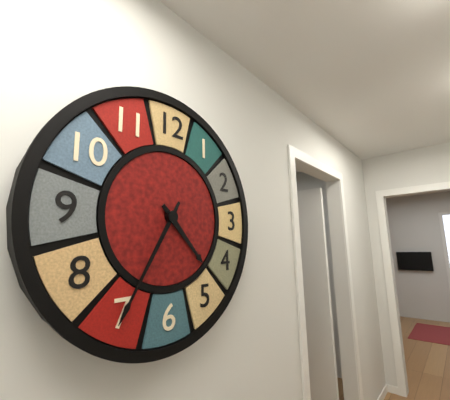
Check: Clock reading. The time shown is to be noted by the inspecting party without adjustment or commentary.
4:35
